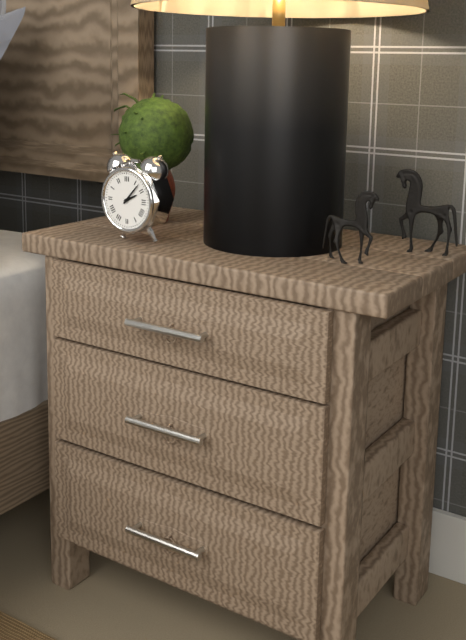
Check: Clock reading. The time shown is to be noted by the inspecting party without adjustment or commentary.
2:07
